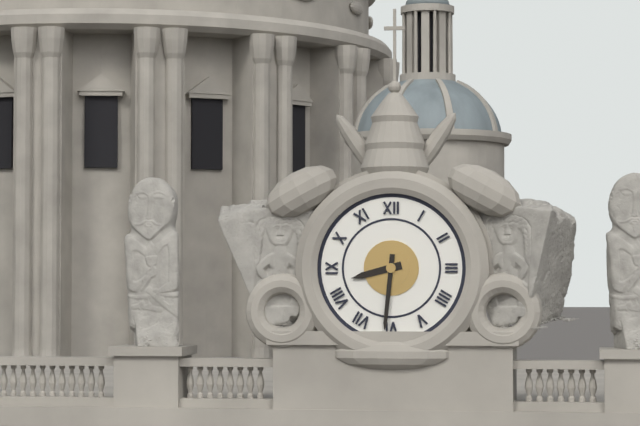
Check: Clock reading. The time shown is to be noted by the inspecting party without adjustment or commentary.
8:31
